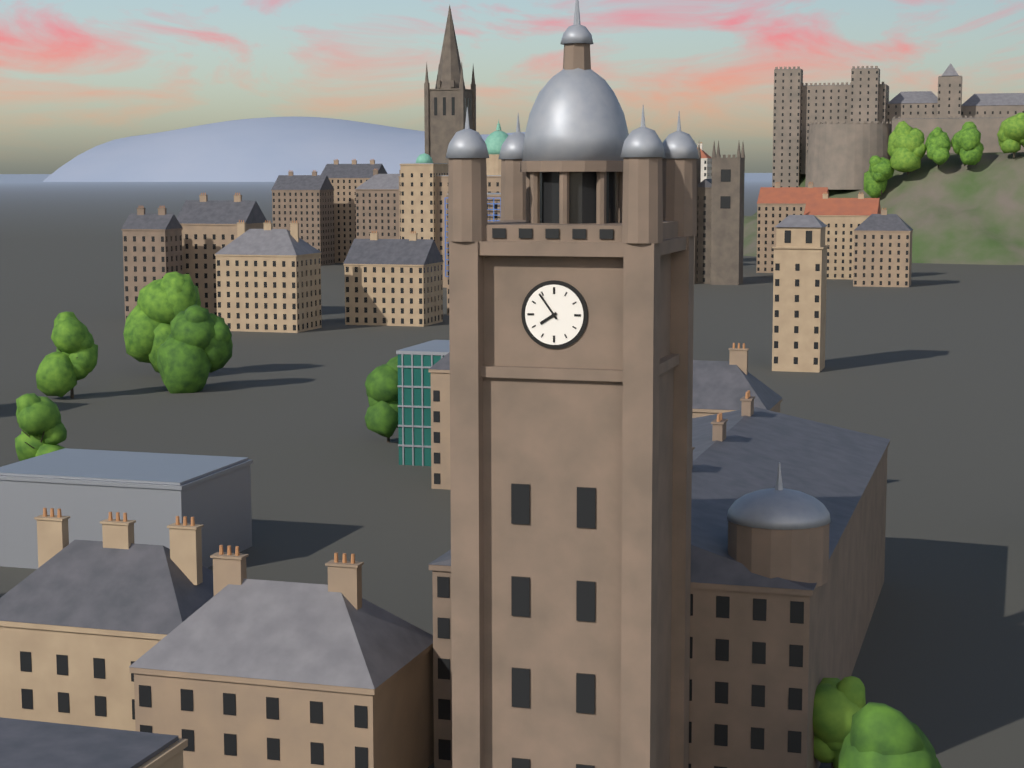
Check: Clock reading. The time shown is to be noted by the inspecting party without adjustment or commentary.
7:54
